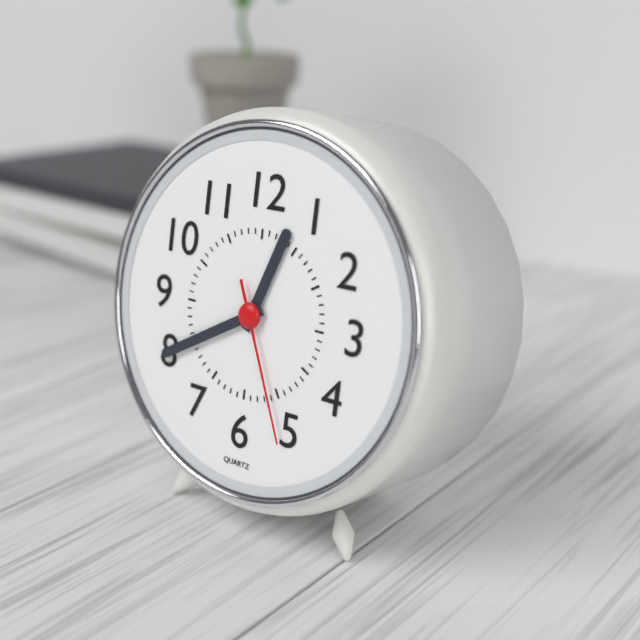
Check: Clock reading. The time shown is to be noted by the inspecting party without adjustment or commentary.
12:40:26
